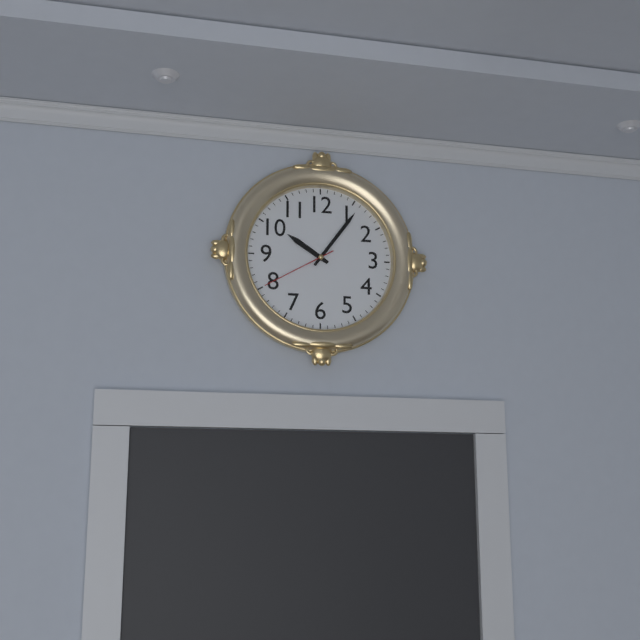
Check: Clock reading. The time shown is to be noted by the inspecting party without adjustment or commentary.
10:06:40
